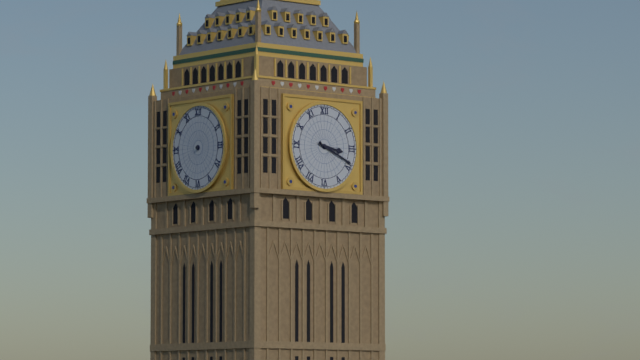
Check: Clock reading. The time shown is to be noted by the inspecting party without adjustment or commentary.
3:19
